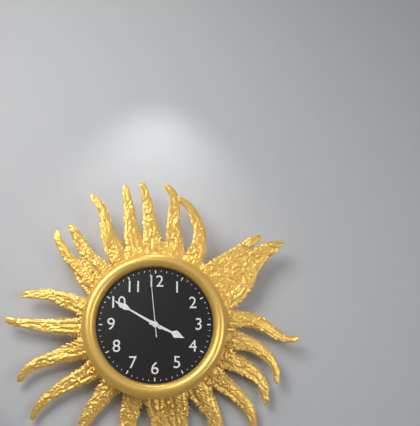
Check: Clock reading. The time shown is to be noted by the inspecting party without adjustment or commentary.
3:50:59
